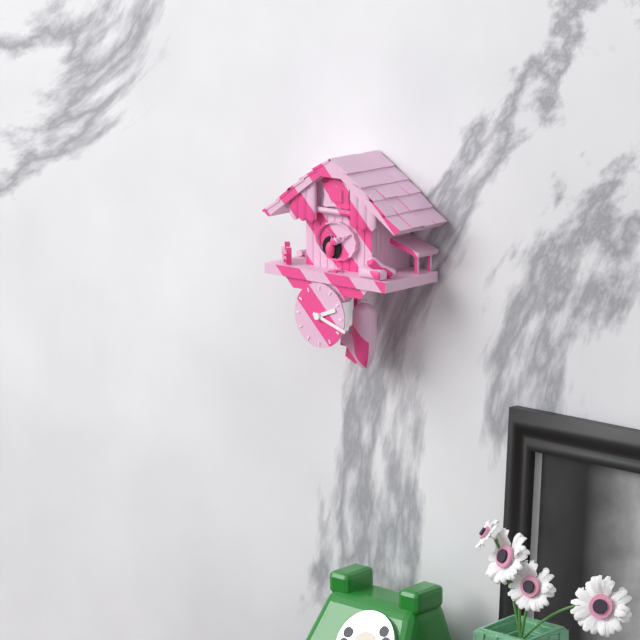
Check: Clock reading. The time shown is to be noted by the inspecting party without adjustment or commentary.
2:18
